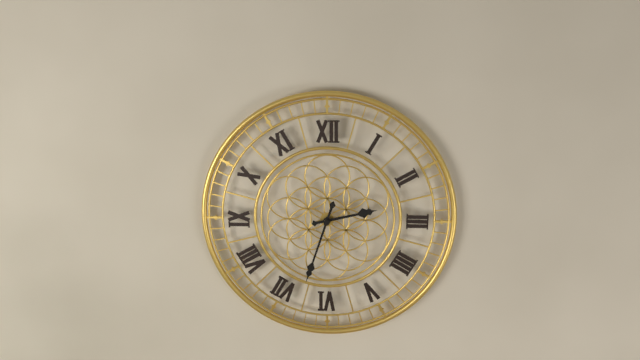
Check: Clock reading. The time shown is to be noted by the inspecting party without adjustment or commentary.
2:33
